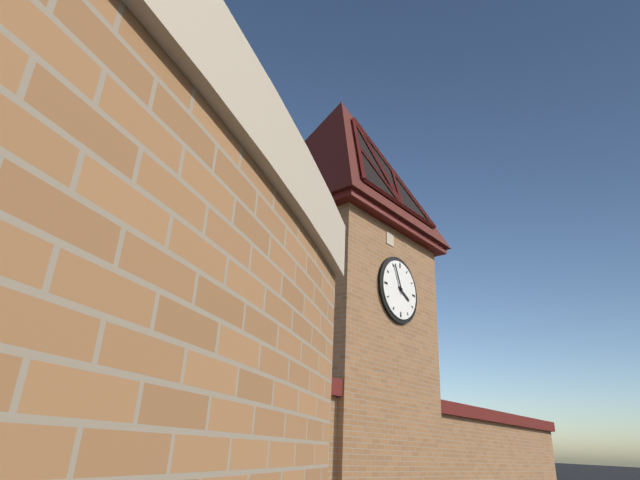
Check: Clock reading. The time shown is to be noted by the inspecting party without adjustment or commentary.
3:56
